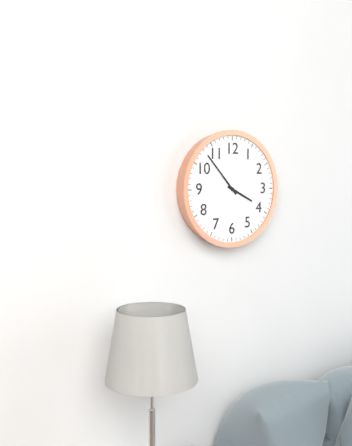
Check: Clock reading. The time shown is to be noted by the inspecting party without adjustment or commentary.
3:53
